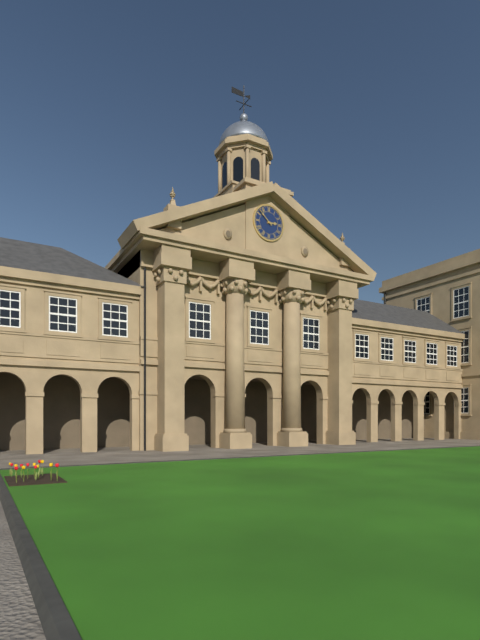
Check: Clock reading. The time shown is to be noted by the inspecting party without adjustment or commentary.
2:52
